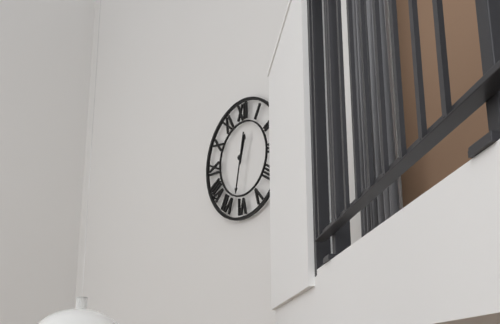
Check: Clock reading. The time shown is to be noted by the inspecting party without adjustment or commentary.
12:32
